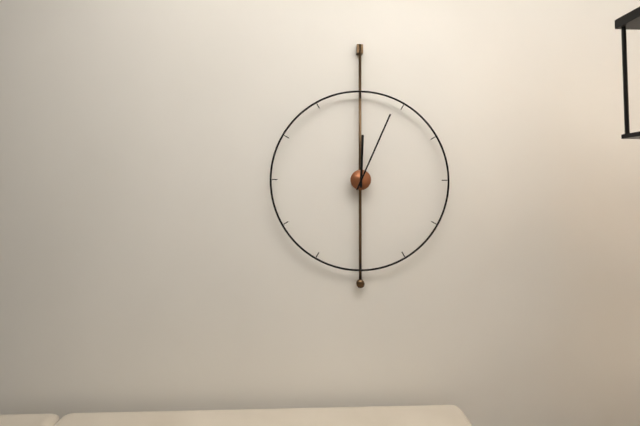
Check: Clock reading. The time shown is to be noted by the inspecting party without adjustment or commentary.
12:04
